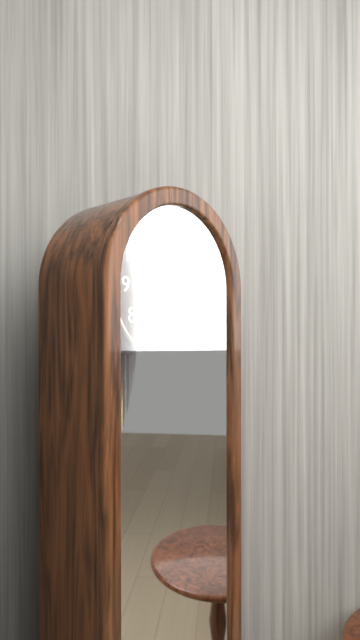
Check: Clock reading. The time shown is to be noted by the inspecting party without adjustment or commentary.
5:23
